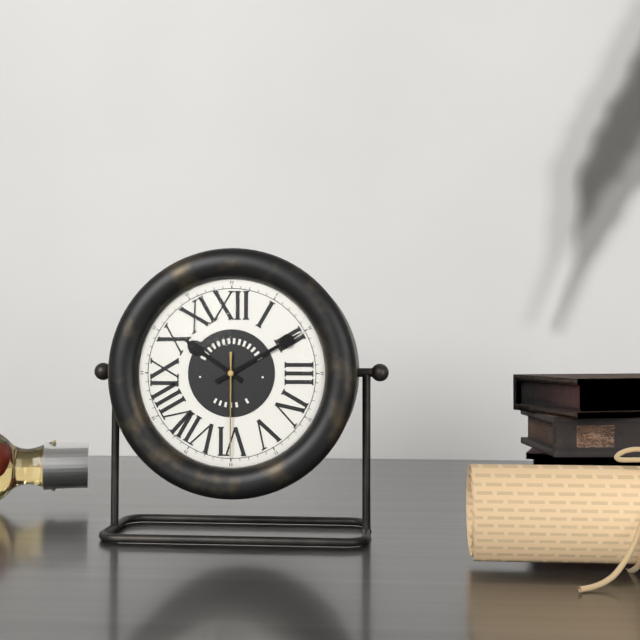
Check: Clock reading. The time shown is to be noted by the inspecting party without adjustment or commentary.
10:10:30
